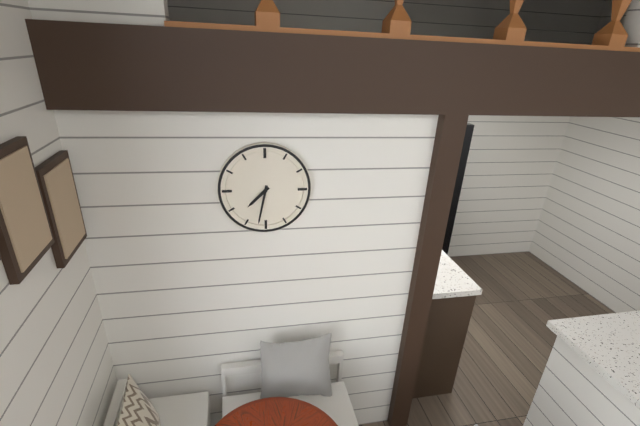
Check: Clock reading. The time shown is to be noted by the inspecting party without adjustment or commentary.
7:32
